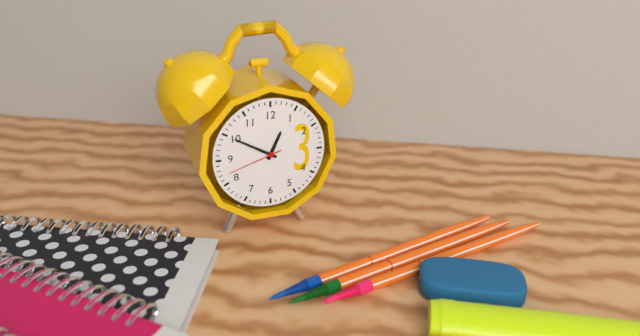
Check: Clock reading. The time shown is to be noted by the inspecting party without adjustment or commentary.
12:50:42
